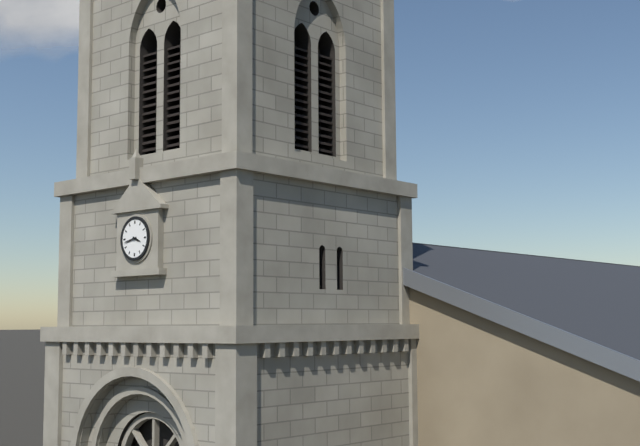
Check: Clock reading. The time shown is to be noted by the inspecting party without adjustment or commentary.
3:43
